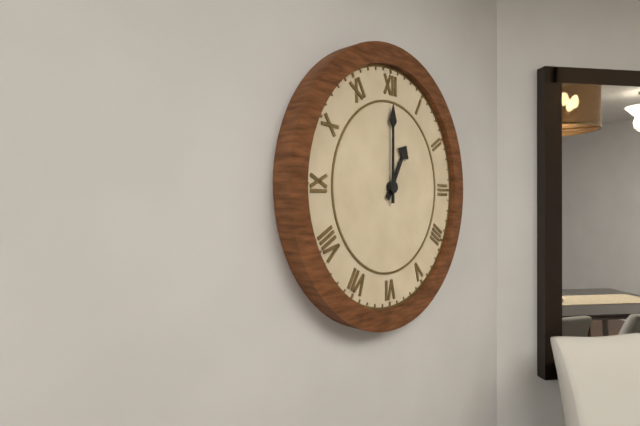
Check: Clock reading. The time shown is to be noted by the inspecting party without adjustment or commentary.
1:00
